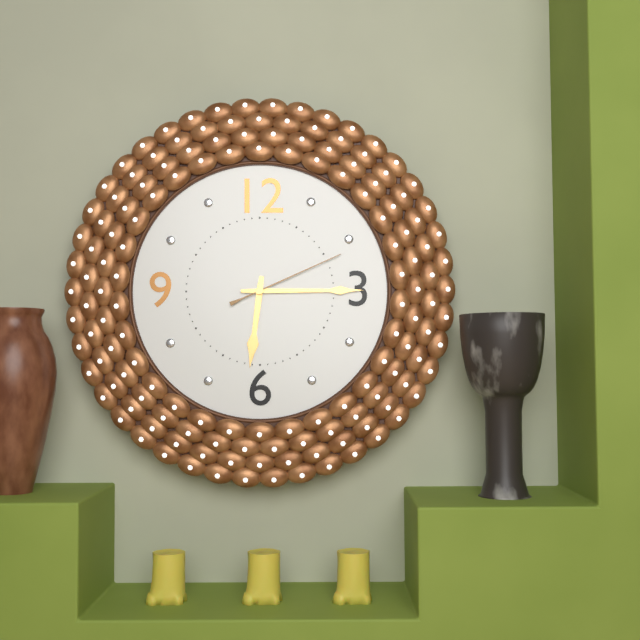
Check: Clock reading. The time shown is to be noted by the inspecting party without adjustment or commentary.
6:15:11
